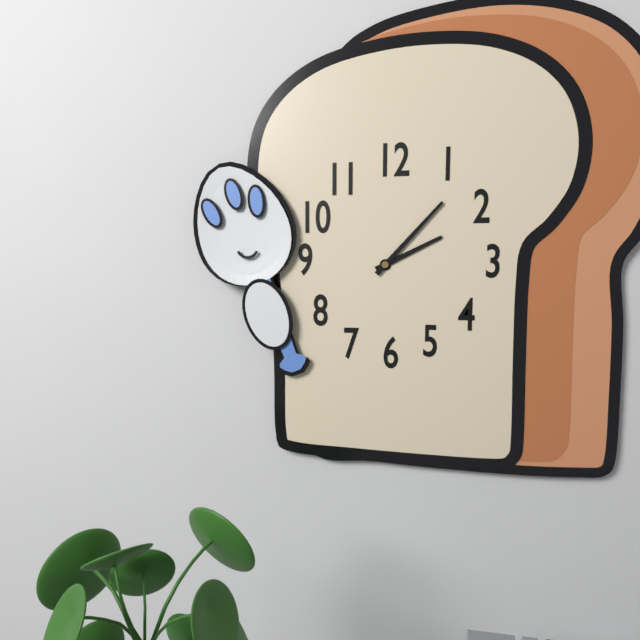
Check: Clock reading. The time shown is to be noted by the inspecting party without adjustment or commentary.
2:07
